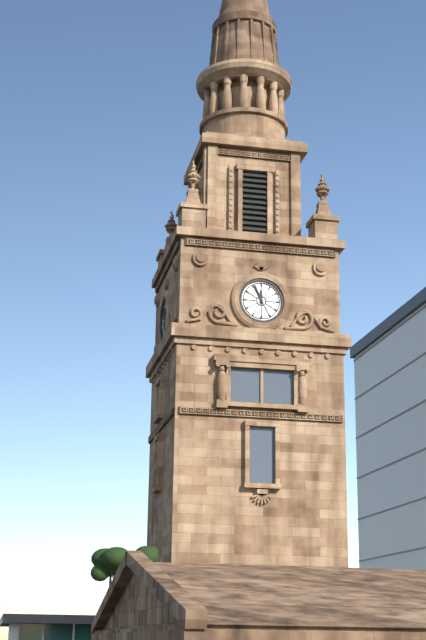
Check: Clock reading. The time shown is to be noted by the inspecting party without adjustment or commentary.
11:56
